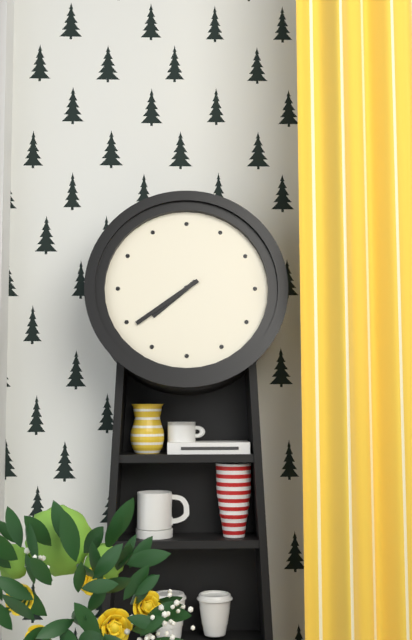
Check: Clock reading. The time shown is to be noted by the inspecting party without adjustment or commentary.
7:39
